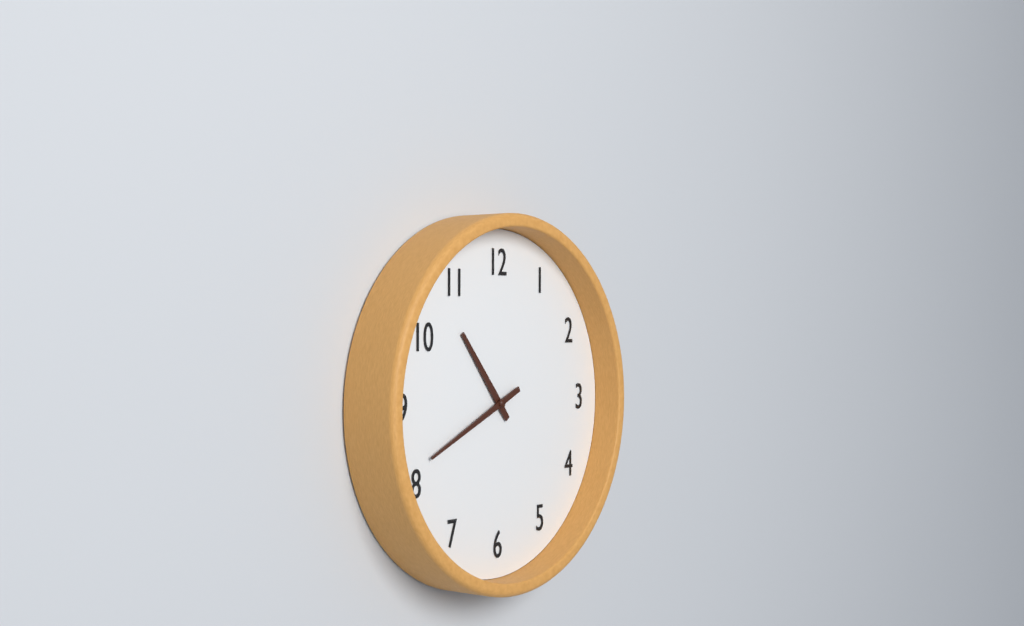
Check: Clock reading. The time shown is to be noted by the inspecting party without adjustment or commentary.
10:41
